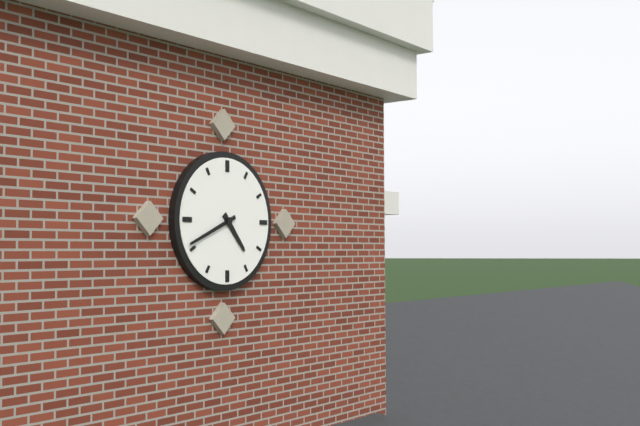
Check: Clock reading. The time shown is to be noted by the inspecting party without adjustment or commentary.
4:41
